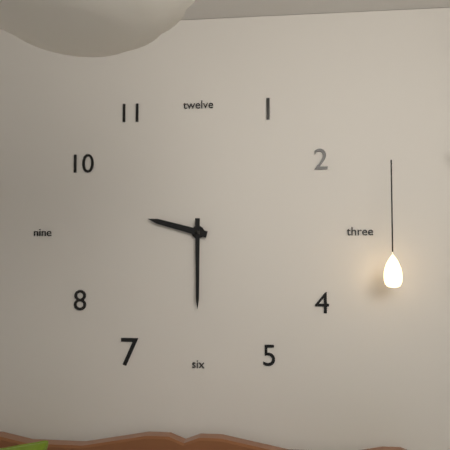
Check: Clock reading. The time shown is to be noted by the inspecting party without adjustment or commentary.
9:30
